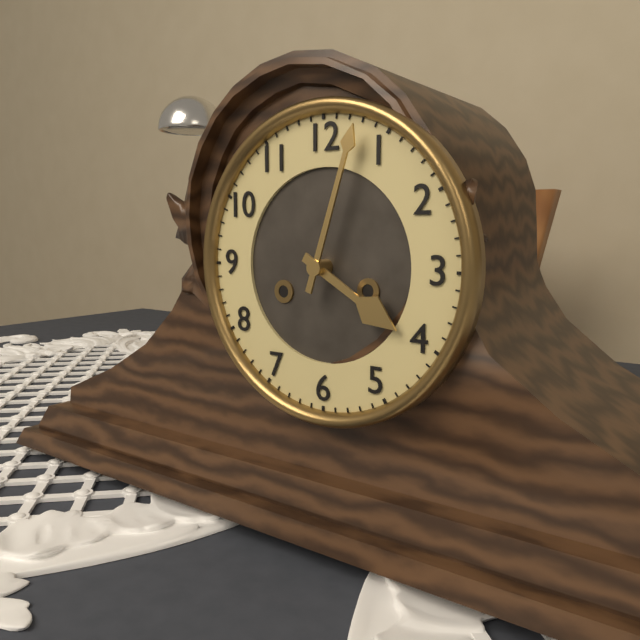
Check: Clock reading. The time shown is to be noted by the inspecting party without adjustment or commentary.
4:03
